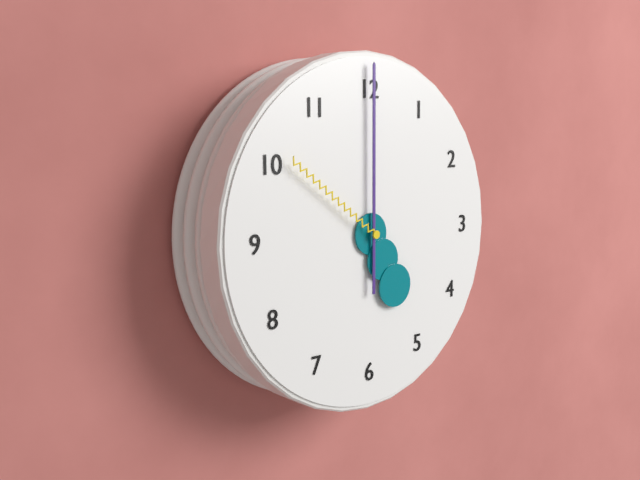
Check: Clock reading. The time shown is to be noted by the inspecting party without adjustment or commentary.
5:00:51
